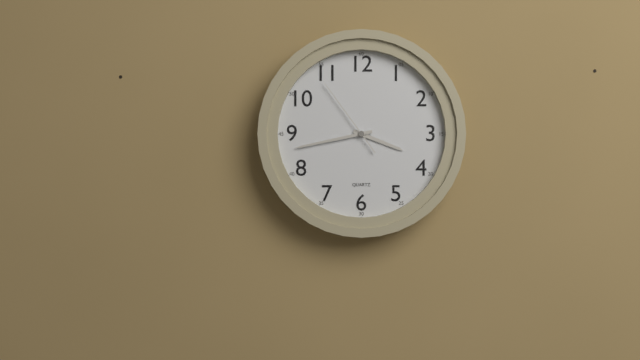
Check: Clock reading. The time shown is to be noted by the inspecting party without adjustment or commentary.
3:43:54
